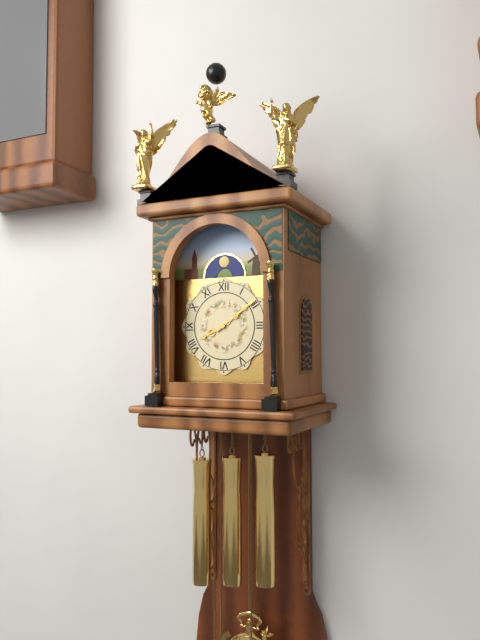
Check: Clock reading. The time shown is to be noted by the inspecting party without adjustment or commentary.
8:09
